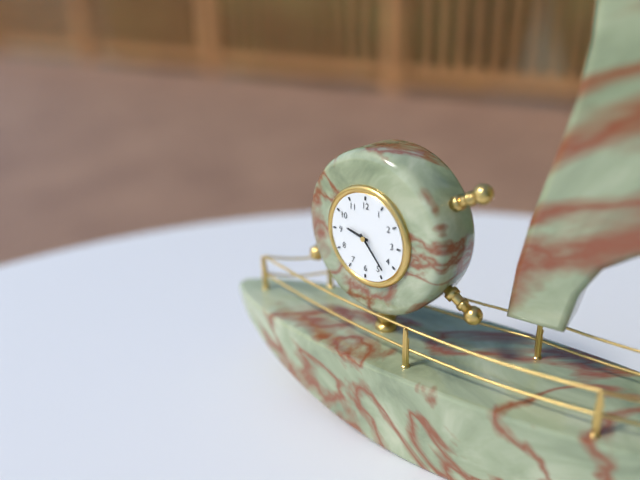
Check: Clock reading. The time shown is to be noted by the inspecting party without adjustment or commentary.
9:23
